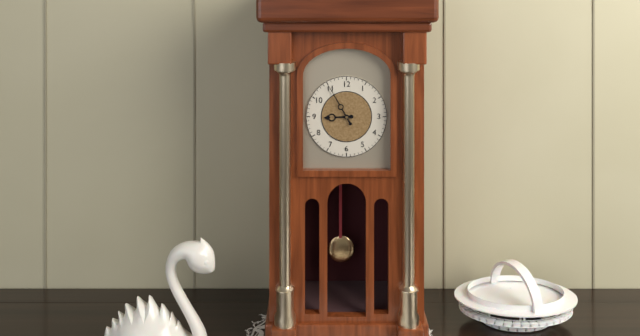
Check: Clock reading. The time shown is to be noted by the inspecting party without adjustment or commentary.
8:55
